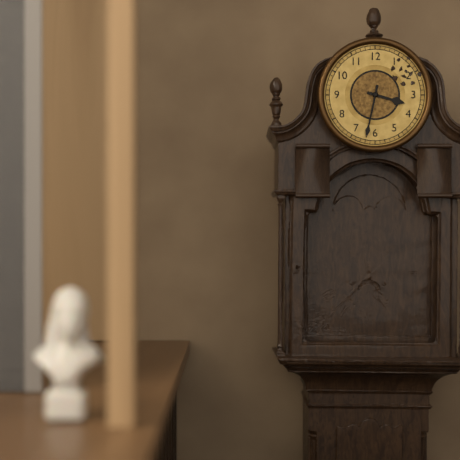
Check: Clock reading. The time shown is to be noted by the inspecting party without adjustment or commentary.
3:32
